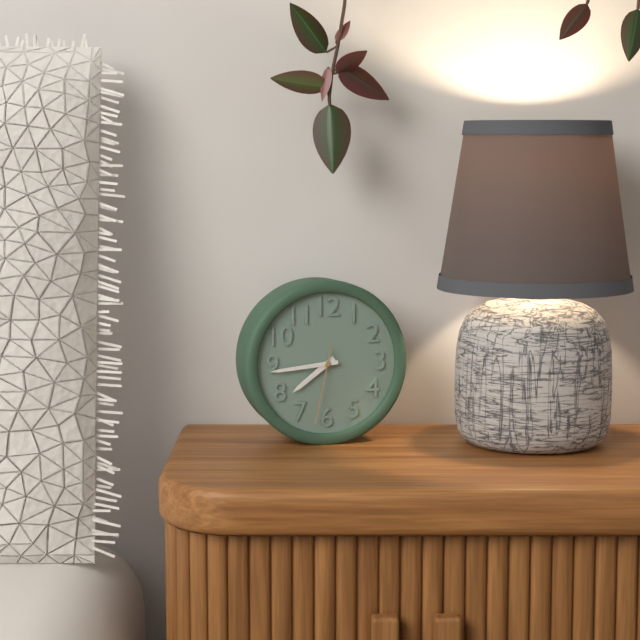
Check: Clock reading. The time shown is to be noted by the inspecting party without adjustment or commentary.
7:44:32
